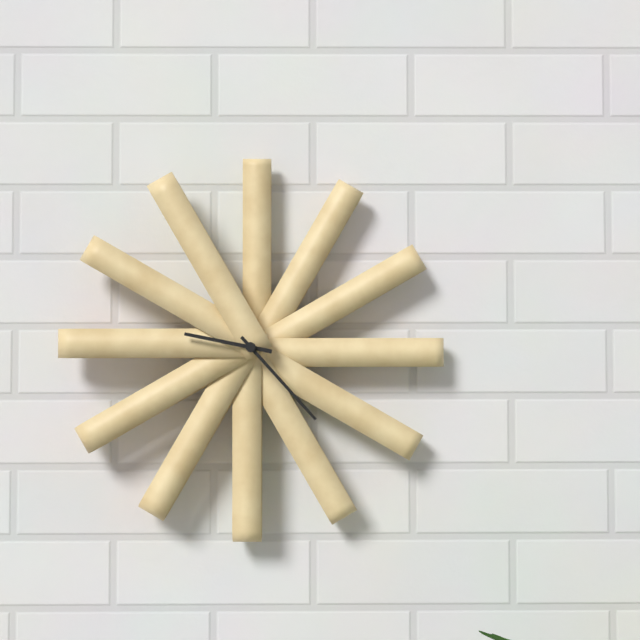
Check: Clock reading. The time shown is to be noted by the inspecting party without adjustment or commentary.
9:23
